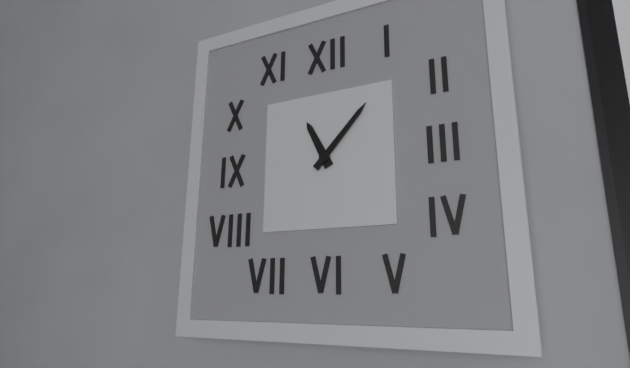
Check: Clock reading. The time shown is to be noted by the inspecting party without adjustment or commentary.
11:07
